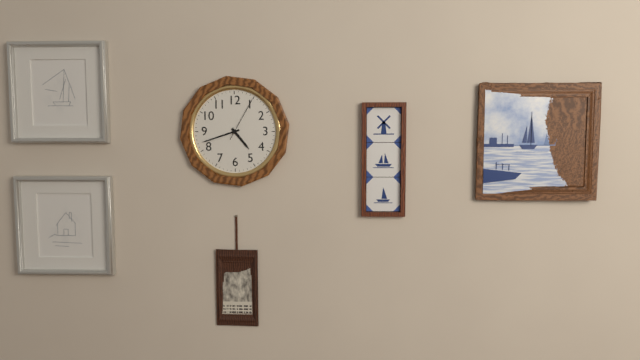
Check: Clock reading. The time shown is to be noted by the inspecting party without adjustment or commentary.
4:42
